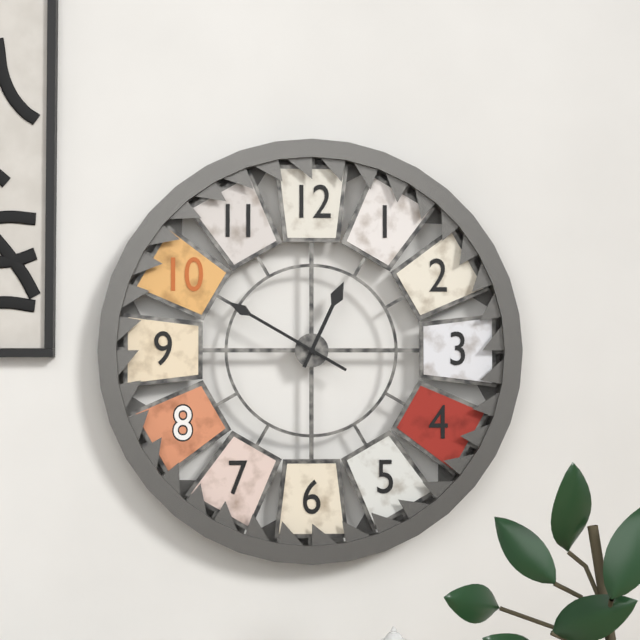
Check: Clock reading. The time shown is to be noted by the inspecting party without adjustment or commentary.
12:50
